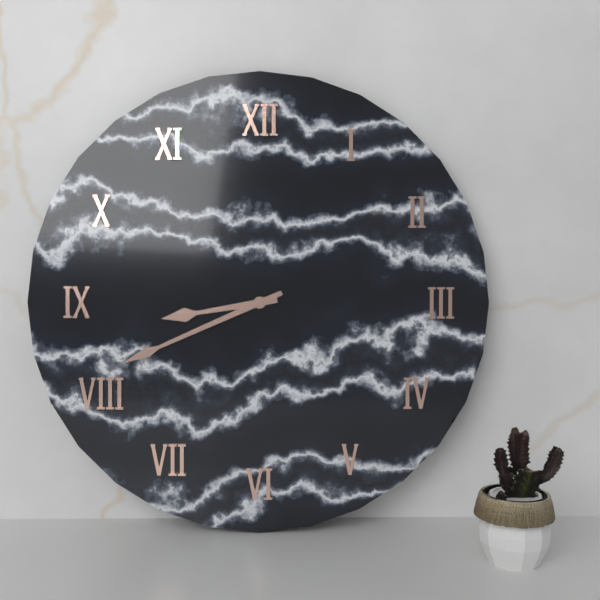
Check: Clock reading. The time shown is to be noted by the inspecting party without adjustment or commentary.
8:41
